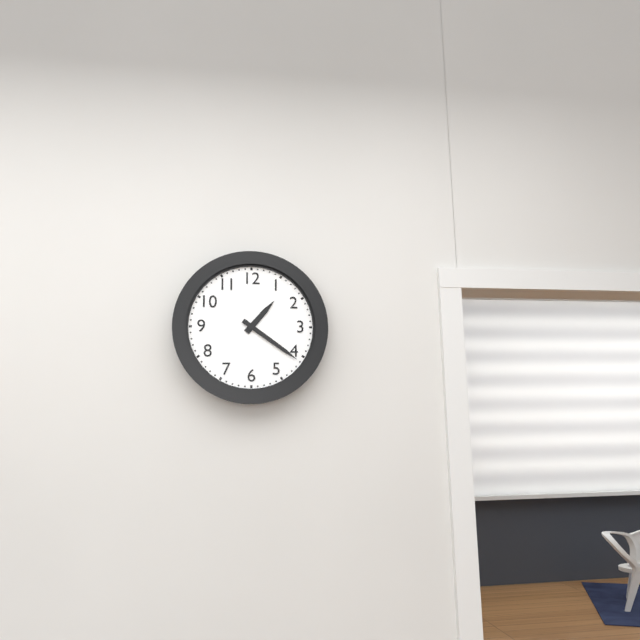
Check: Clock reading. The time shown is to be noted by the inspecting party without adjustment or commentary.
1:21
